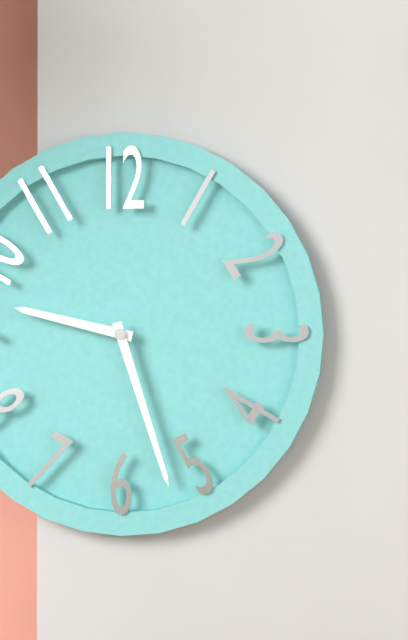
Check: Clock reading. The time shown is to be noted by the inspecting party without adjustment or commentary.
9:27
